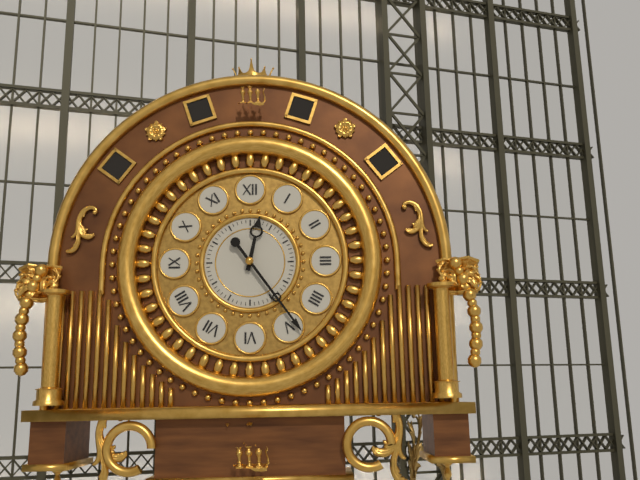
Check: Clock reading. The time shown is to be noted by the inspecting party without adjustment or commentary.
12:24
